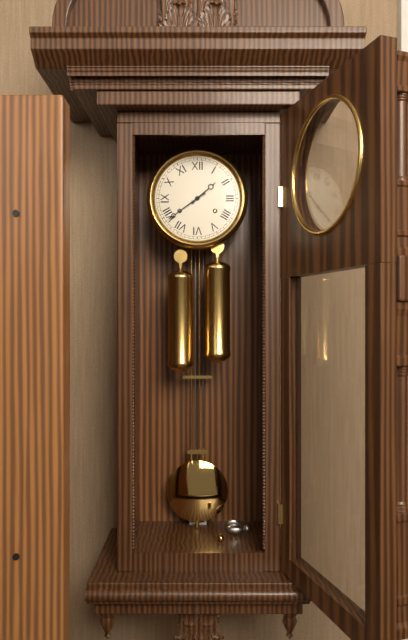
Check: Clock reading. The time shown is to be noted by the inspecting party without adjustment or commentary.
1:39
